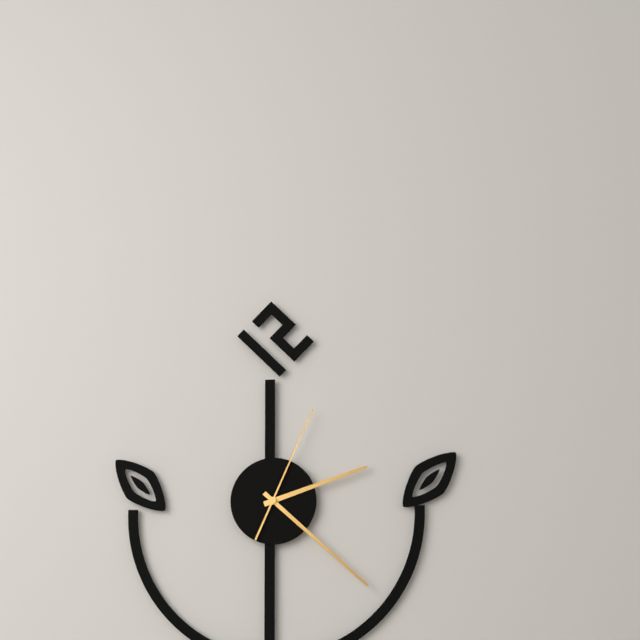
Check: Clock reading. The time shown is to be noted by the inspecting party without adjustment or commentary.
2:22:04
